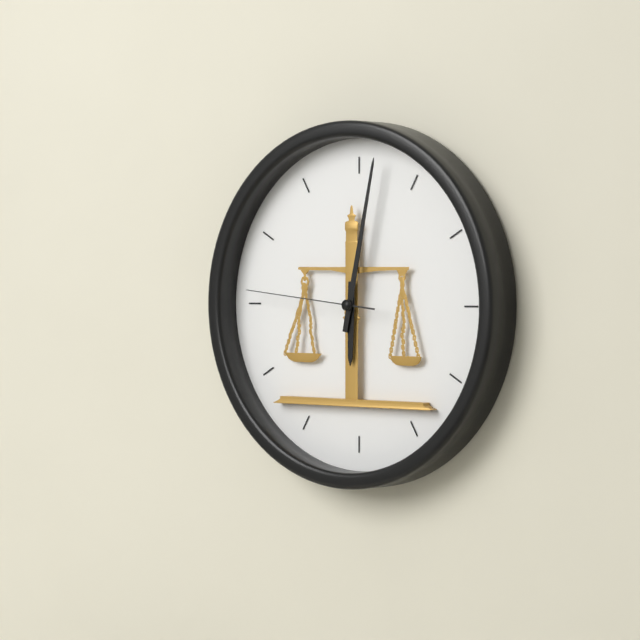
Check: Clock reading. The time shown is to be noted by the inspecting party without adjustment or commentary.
6:02:46
